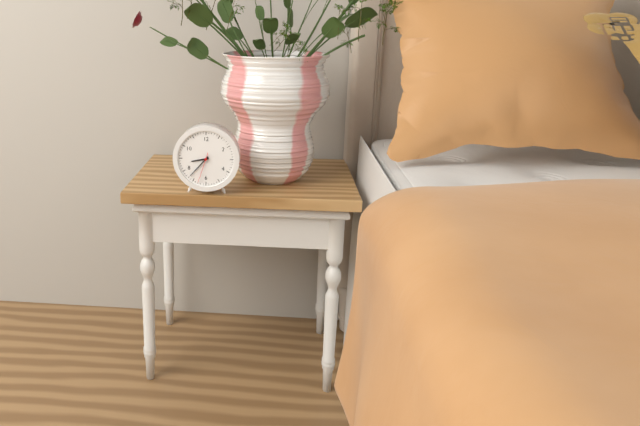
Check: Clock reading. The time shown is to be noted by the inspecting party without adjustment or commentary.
8:37
